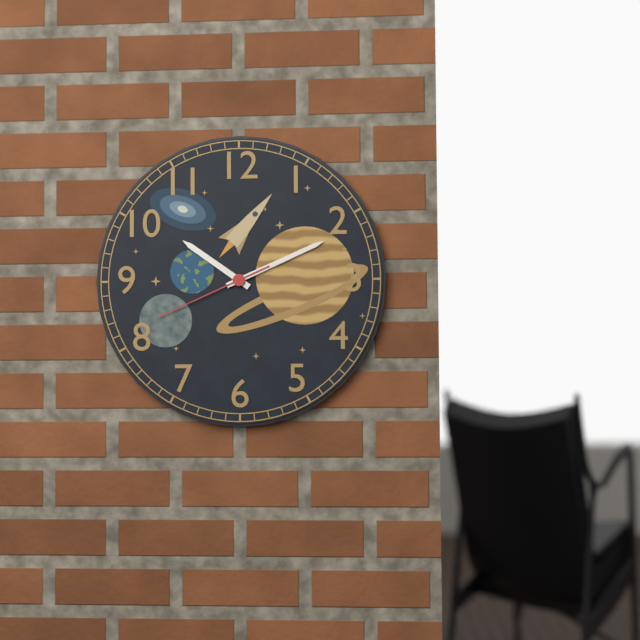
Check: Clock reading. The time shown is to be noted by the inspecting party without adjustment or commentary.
10:11:41
